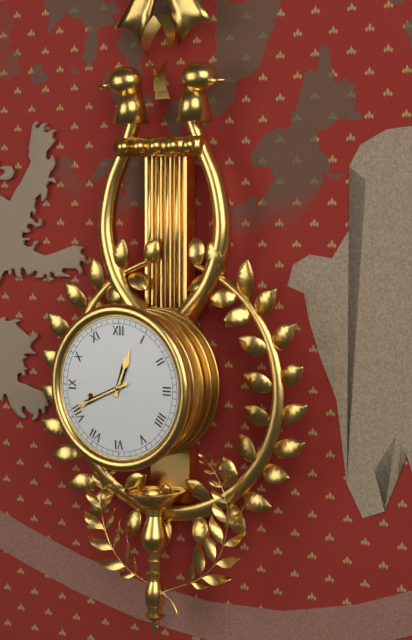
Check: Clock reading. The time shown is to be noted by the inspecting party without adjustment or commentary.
12:41
